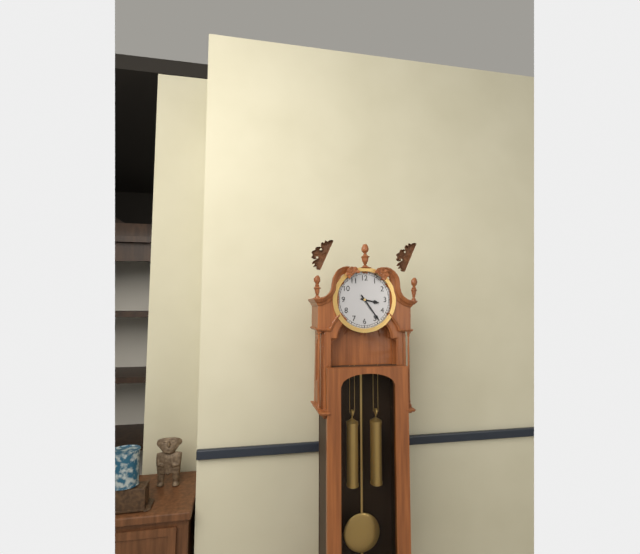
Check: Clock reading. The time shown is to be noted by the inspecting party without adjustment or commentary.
3:24
